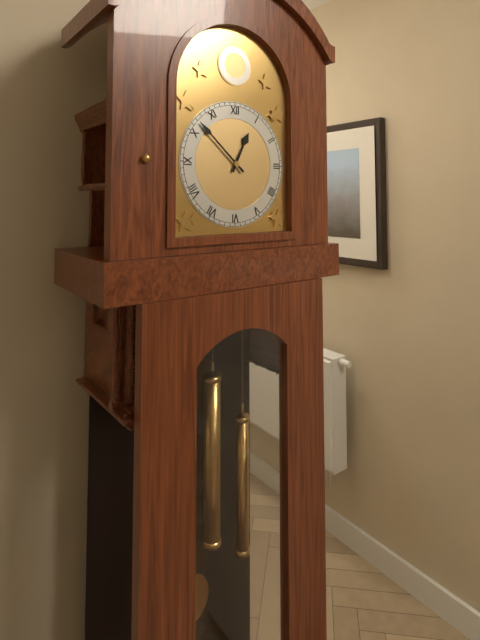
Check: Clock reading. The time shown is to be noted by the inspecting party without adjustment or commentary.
12:52
